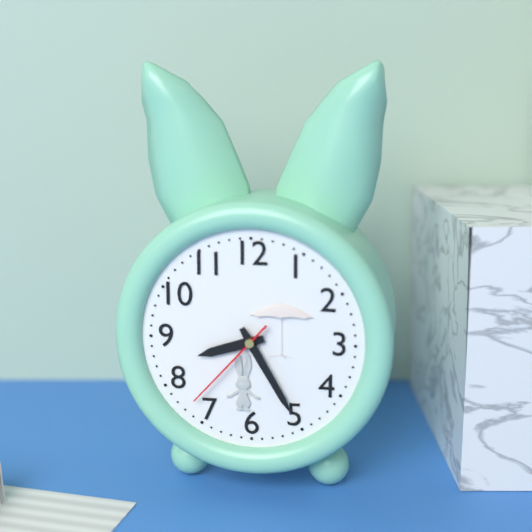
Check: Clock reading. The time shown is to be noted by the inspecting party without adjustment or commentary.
8:25:37
